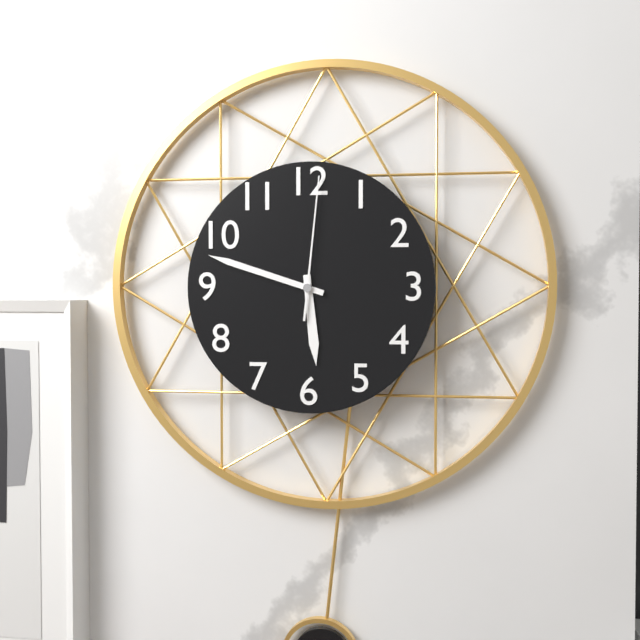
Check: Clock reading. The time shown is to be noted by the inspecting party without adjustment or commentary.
5:48:01
